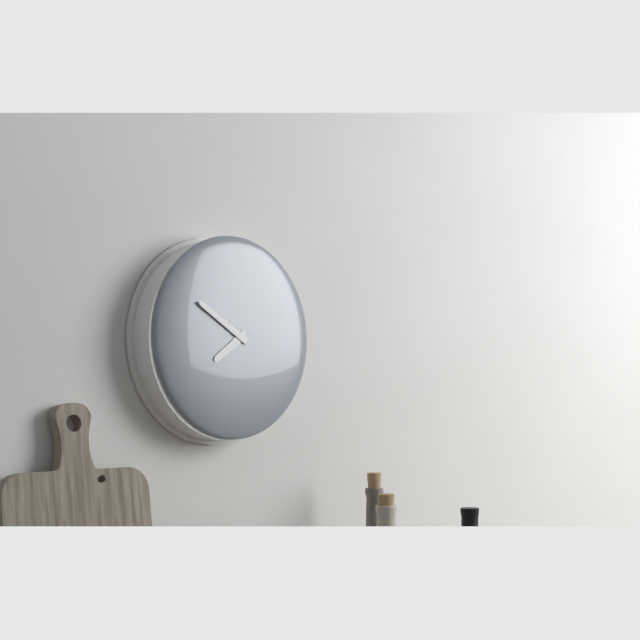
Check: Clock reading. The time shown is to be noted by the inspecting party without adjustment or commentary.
7:50
